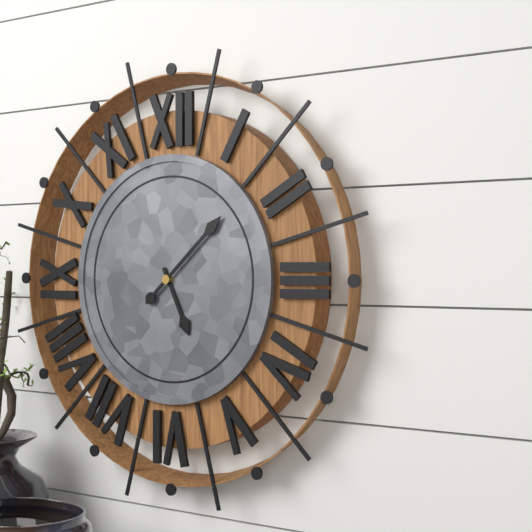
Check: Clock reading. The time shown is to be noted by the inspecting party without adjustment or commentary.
5:08
